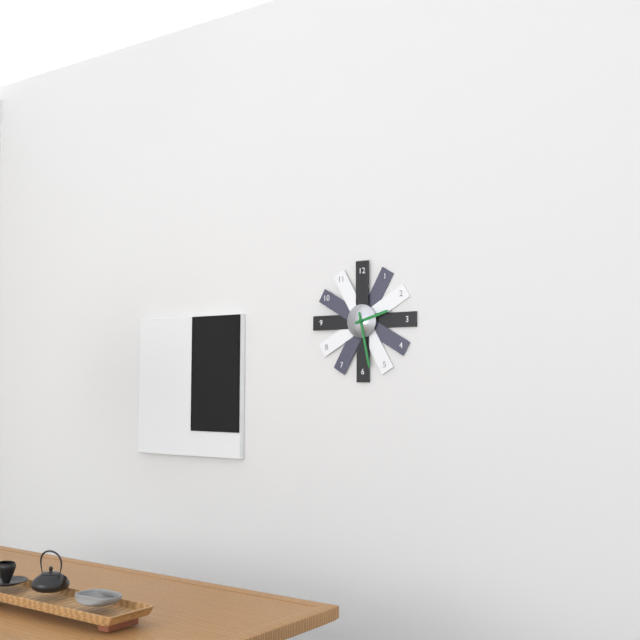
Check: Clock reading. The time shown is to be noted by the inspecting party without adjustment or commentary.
2:28
